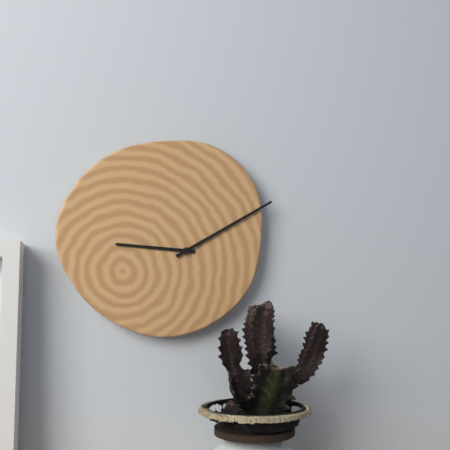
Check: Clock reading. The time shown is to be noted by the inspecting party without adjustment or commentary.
9:10
